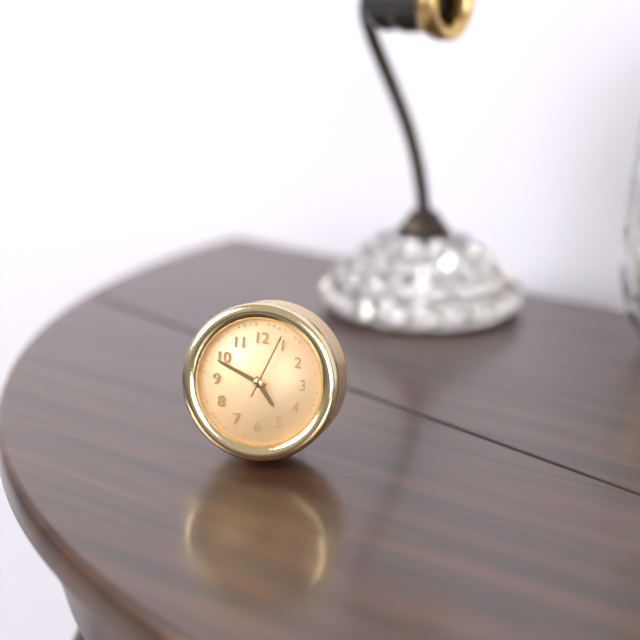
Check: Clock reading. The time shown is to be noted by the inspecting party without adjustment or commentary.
4:49:04
